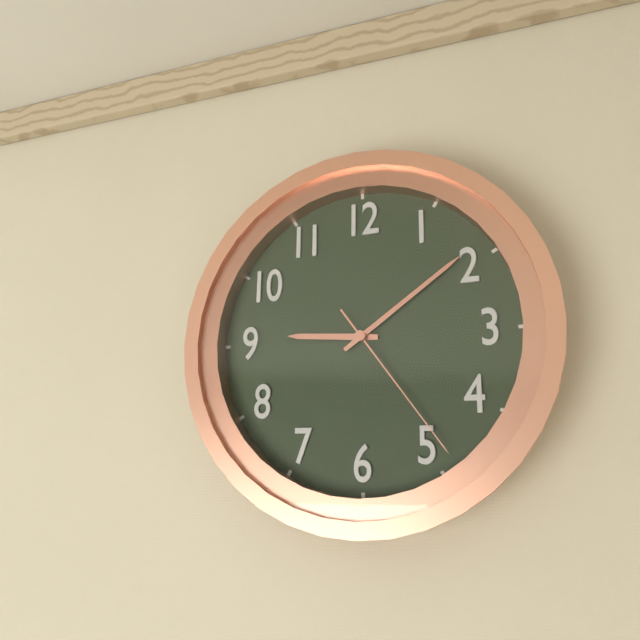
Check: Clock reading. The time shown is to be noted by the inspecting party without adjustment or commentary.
9:09:24
